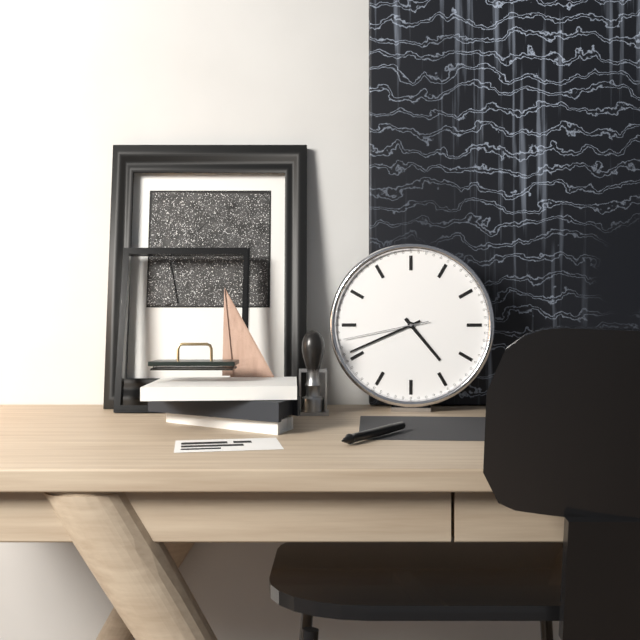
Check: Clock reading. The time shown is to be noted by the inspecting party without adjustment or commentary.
4:41:43
